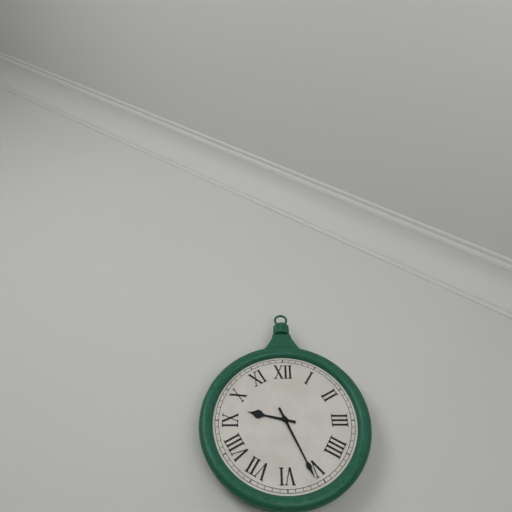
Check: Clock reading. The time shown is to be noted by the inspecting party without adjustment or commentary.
9:26
